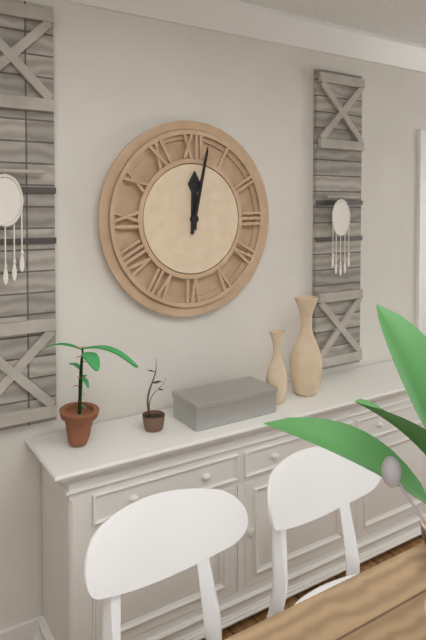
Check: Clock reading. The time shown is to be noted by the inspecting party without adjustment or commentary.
12:02
